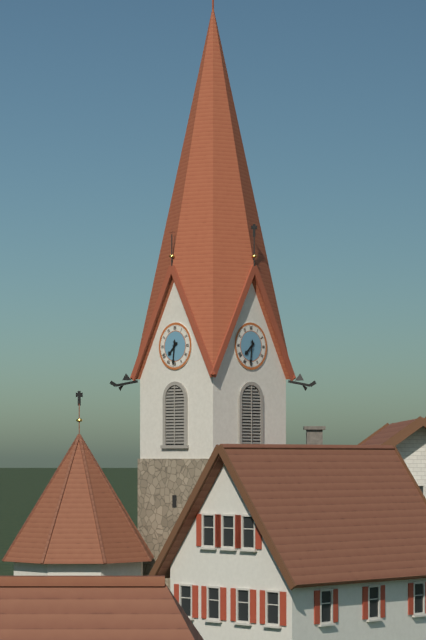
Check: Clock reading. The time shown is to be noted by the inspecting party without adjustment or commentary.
7:31
